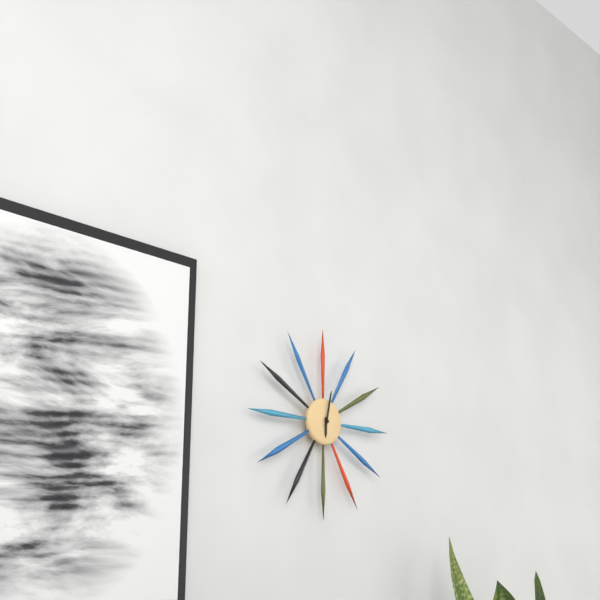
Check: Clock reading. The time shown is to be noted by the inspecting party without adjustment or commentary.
6:02
